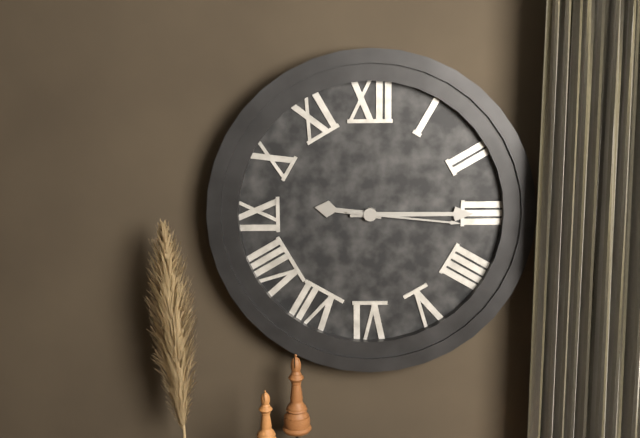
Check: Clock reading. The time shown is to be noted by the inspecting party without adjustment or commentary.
9:15:16
